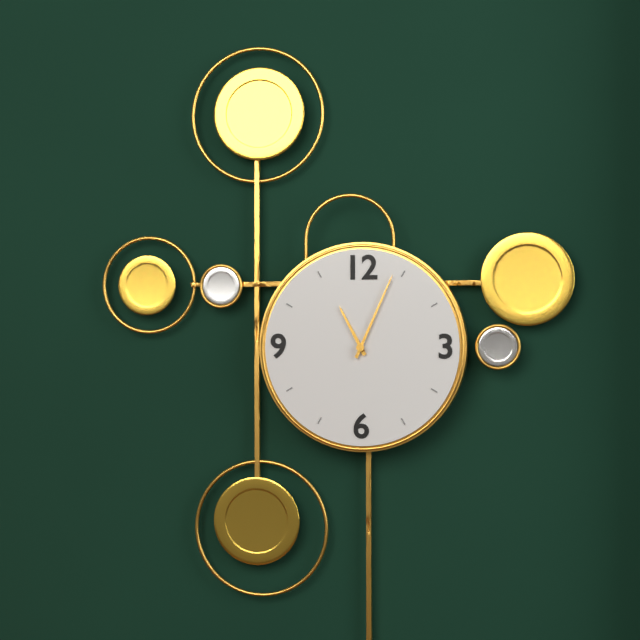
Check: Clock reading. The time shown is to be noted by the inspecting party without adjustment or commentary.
11:04
